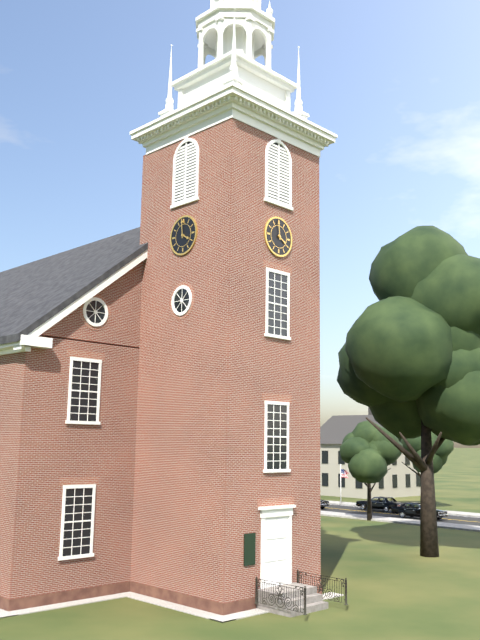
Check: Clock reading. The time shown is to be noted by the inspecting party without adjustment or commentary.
3:59
